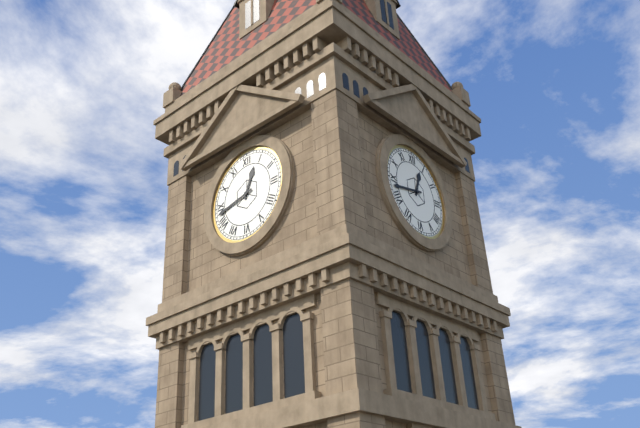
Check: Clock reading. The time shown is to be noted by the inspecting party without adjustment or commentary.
12:43
